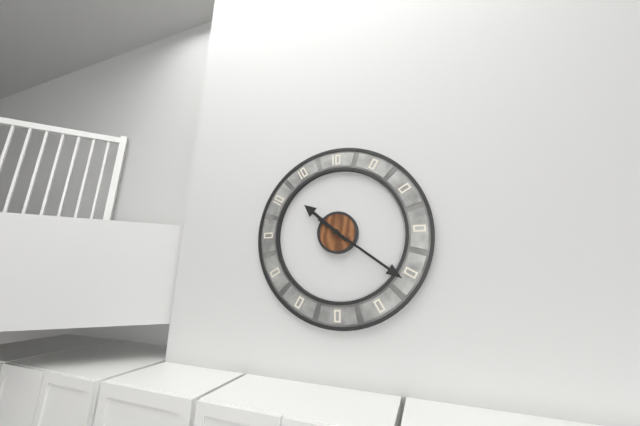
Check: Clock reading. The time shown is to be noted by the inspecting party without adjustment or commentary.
10:21
